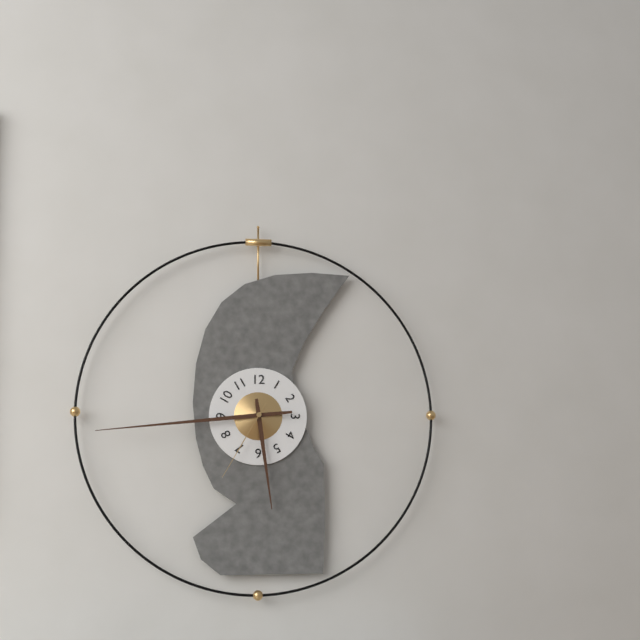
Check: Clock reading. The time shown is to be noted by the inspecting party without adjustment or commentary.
5:44:35
